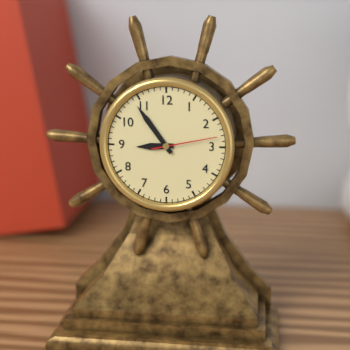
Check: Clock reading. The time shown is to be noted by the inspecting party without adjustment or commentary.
8:54:13
